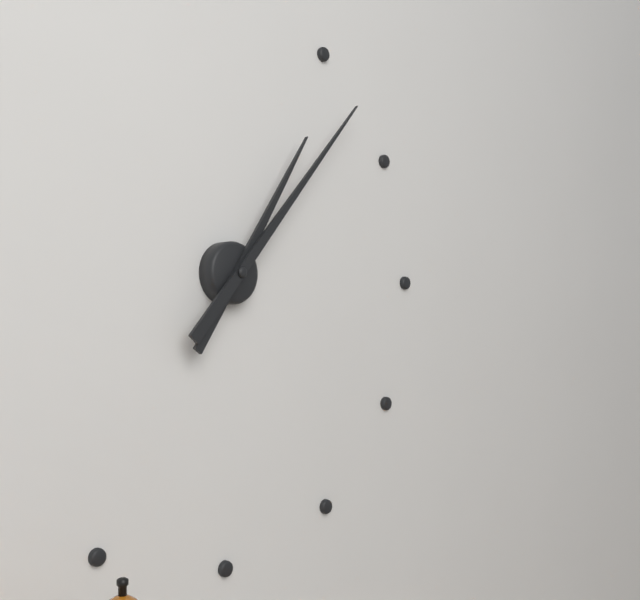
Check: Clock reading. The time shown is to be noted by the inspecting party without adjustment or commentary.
1:07
